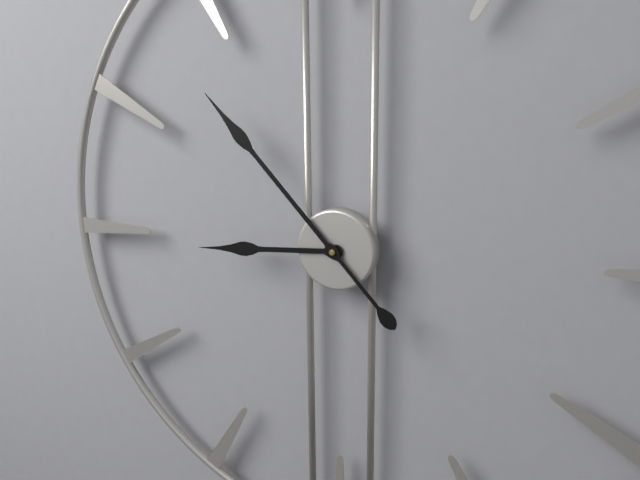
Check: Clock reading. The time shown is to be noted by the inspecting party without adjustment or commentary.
8:53
